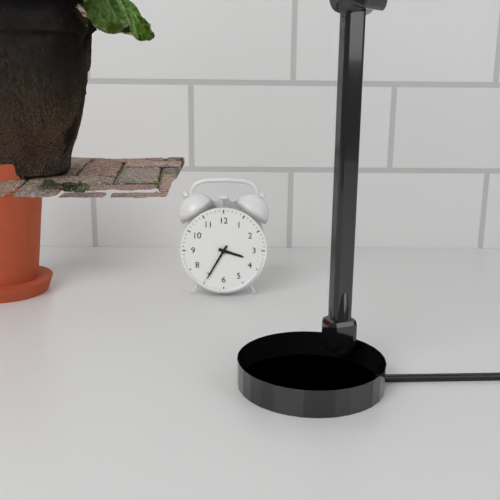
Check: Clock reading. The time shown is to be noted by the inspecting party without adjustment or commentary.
3:35
